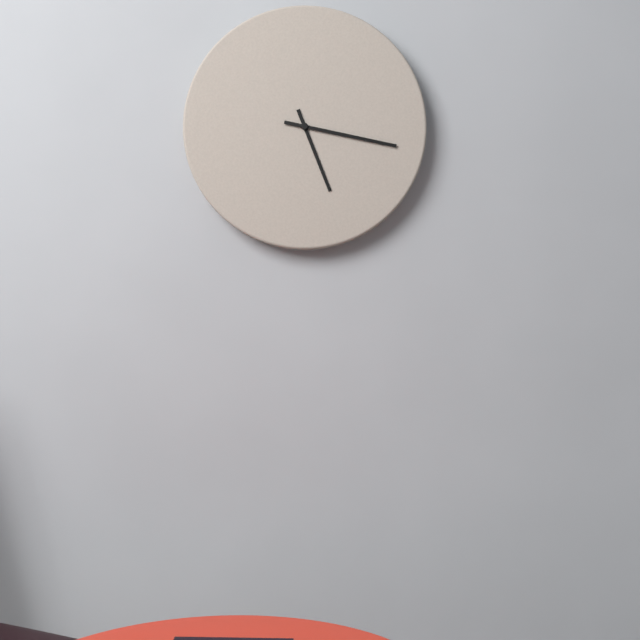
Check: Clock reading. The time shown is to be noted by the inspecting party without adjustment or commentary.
5:17
